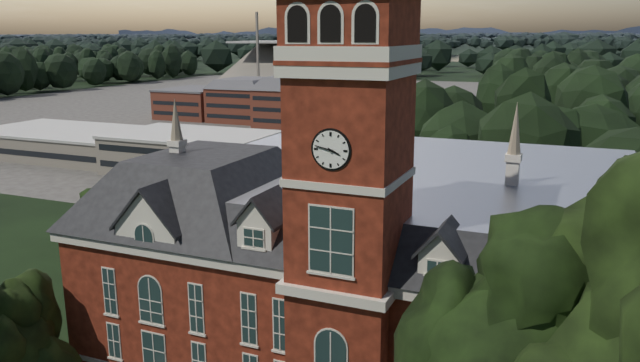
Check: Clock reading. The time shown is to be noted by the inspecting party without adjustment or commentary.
3:47
